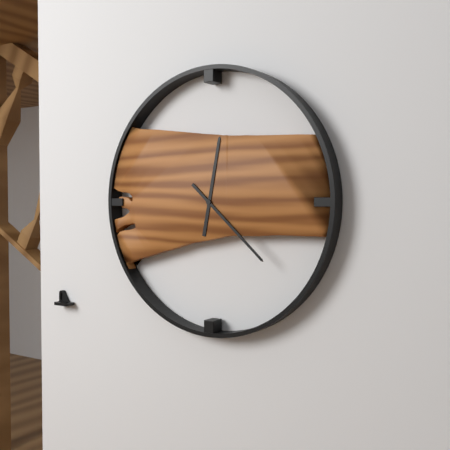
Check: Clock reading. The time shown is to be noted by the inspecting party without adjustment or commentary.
12:22
